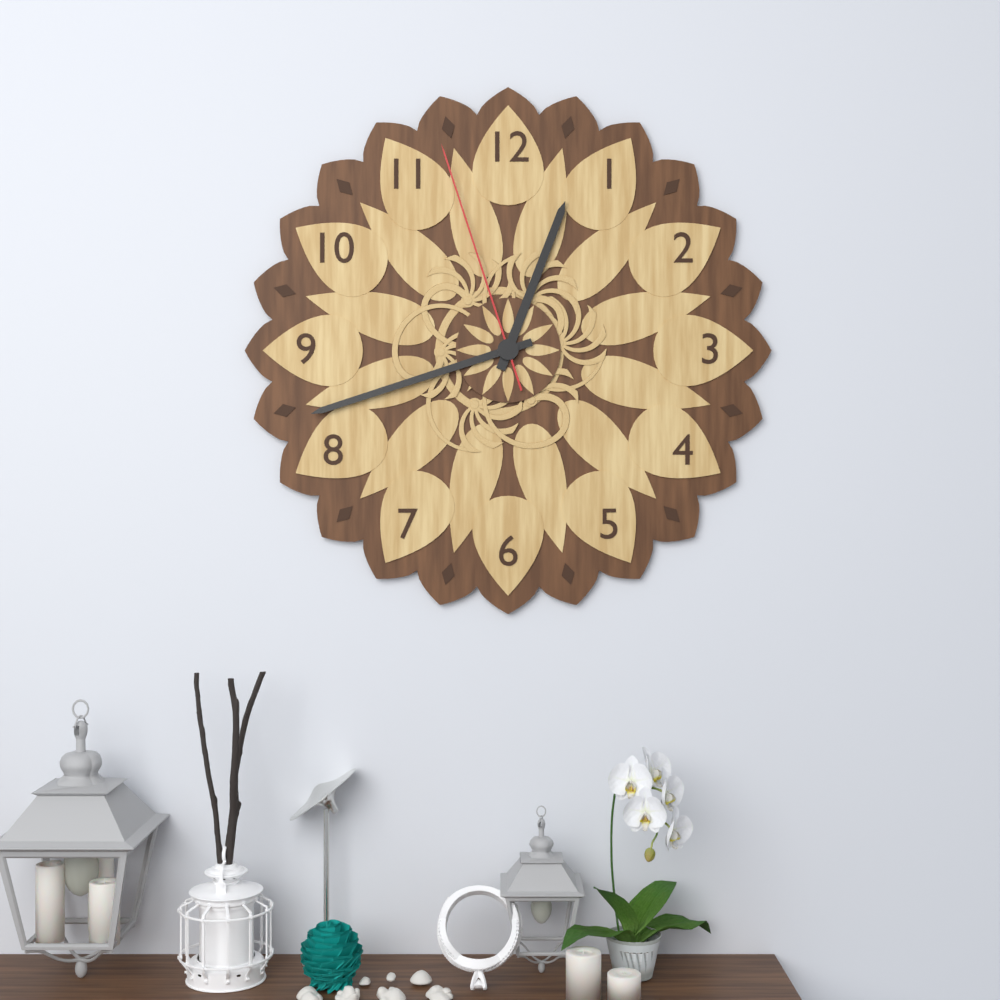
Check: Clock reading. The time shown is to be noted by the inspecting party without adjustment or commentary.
12:42:57
